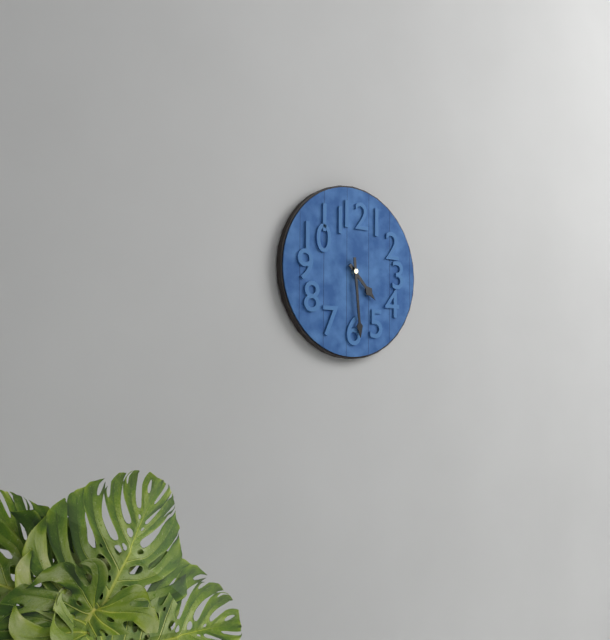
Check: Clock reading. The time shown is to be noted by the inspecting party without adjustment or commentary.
4:29
